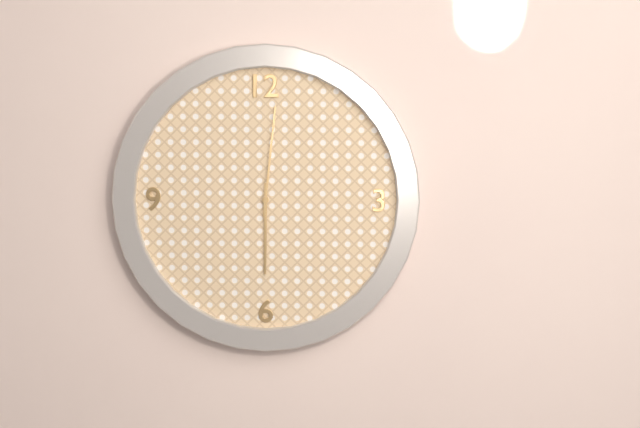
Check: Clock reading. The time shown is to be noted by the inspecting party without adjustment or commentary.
6:01
